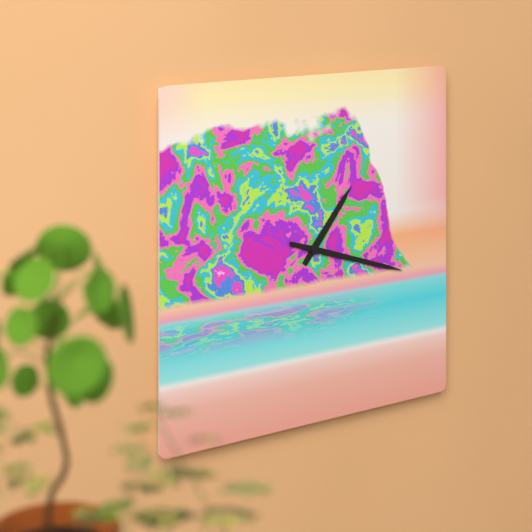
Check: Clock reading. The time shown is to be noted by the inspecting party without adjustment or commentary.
1:18
